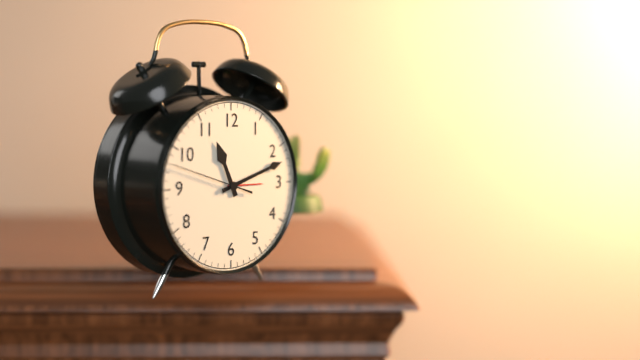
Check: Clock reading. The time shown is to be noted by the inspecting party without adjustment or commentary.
11:12:48
